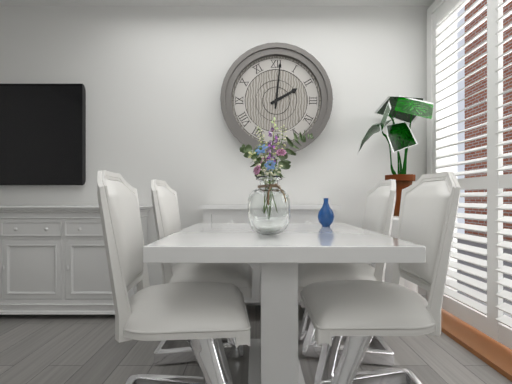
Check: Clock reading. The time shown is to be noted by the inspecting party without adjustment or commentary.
2:01
